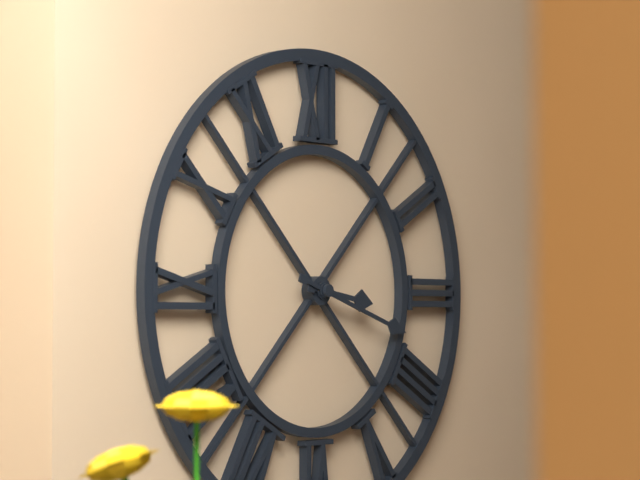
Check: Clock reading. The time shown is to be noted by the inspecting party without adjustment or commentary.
3:18
